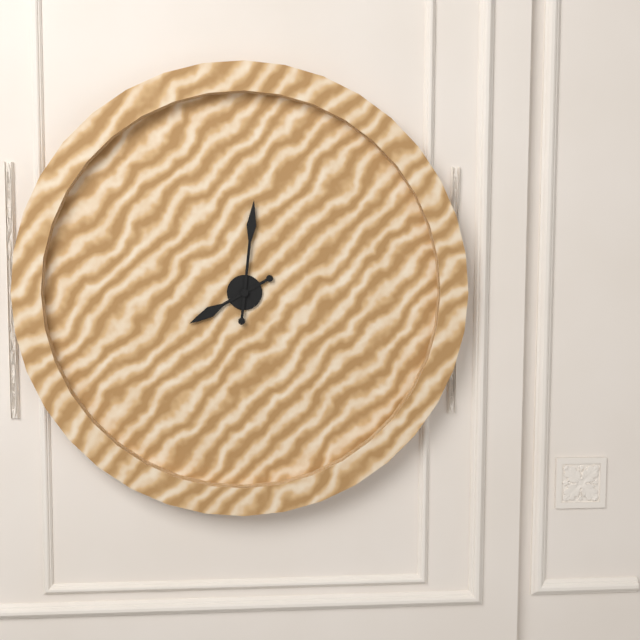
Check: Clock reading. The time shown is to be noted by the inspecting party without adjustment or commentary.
8:01
